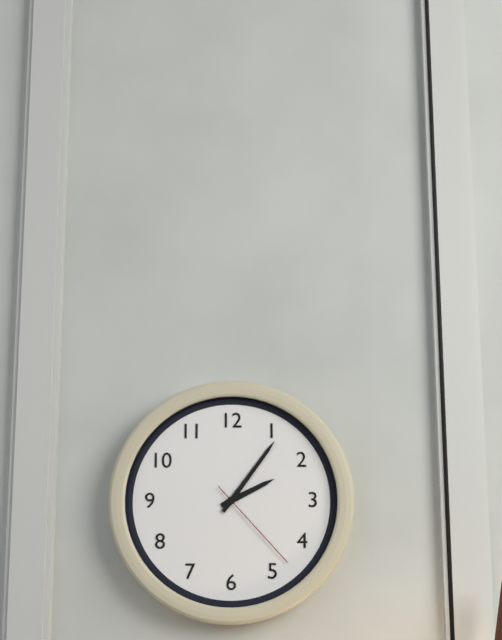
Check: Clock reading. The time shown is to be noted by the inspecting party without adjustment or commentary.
2:06:23
